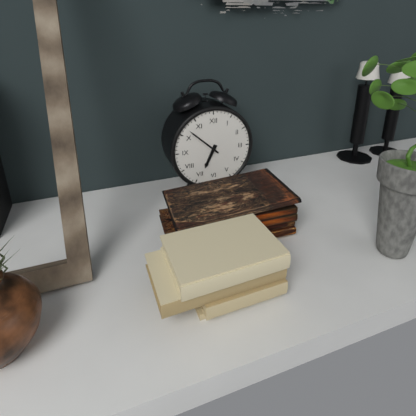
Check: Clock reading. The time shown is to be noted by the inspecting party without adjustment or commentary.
6:52
